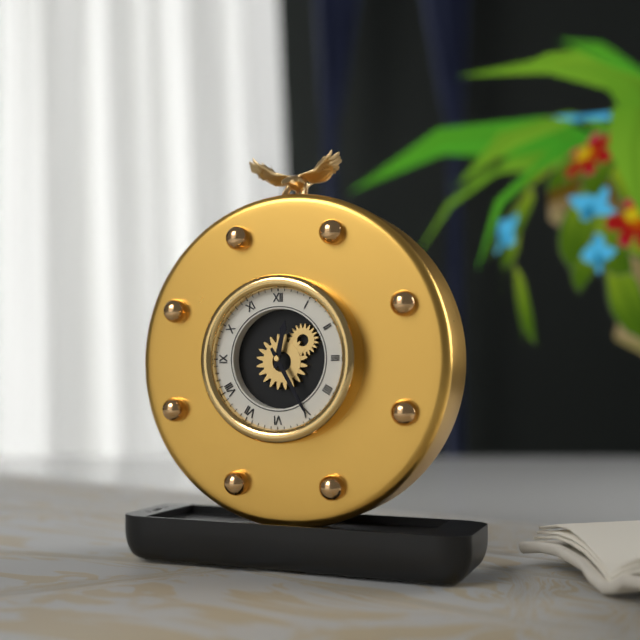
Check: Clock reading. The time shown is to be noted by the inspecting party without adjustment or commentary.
12:25
